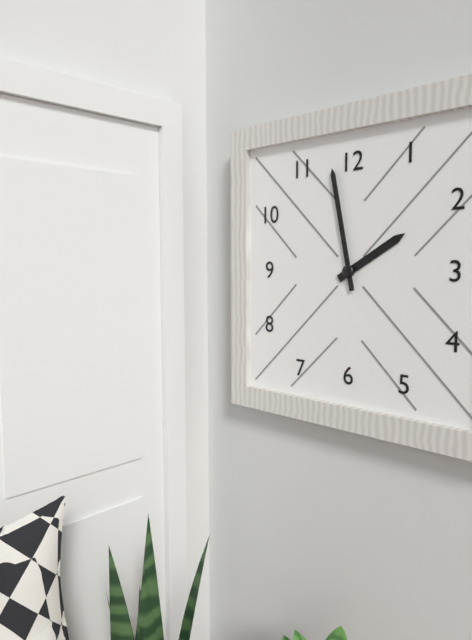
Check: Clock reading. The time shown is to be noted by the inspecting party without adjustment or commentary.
1:58
